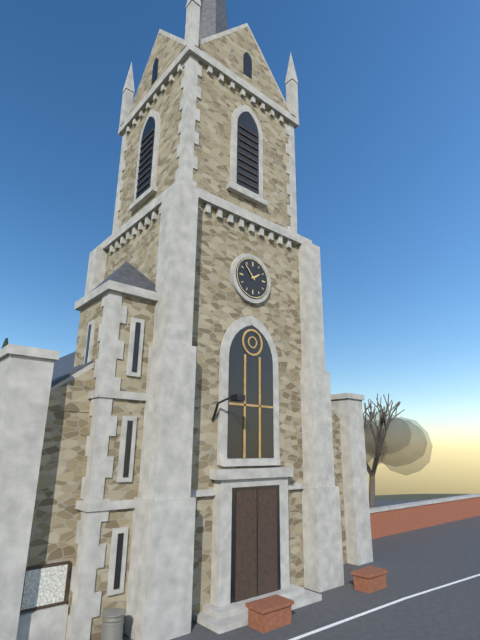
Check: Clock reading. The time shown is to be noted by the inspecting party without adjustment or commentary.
1:53
